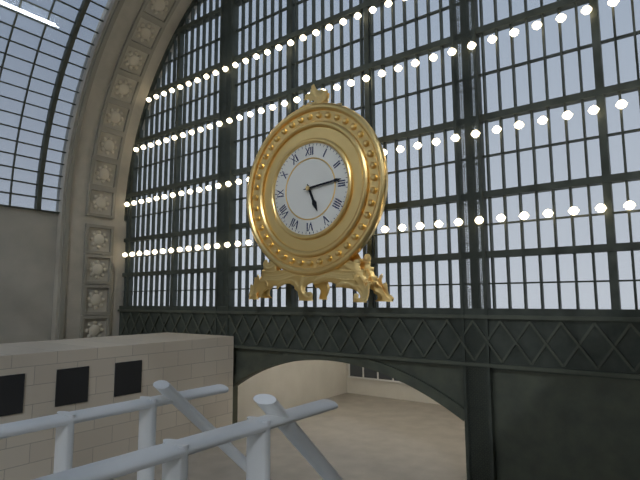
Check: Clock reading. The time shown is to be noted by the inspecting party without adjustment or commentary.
5:14
